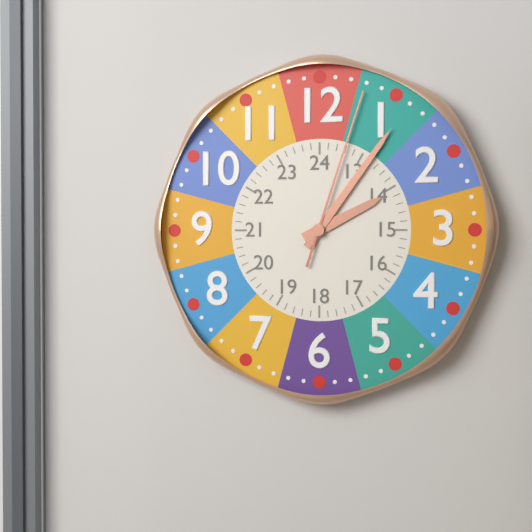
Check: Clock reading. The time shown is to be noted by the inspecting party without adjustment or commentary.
2:06:03
